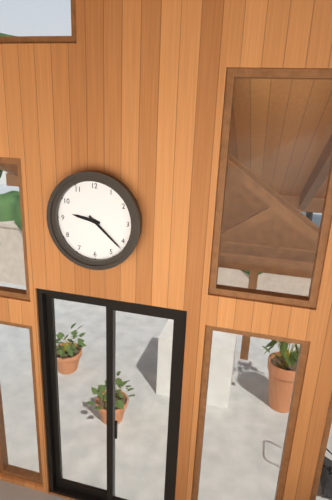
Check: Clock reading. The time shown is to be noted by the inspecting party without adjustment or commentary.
9:22
